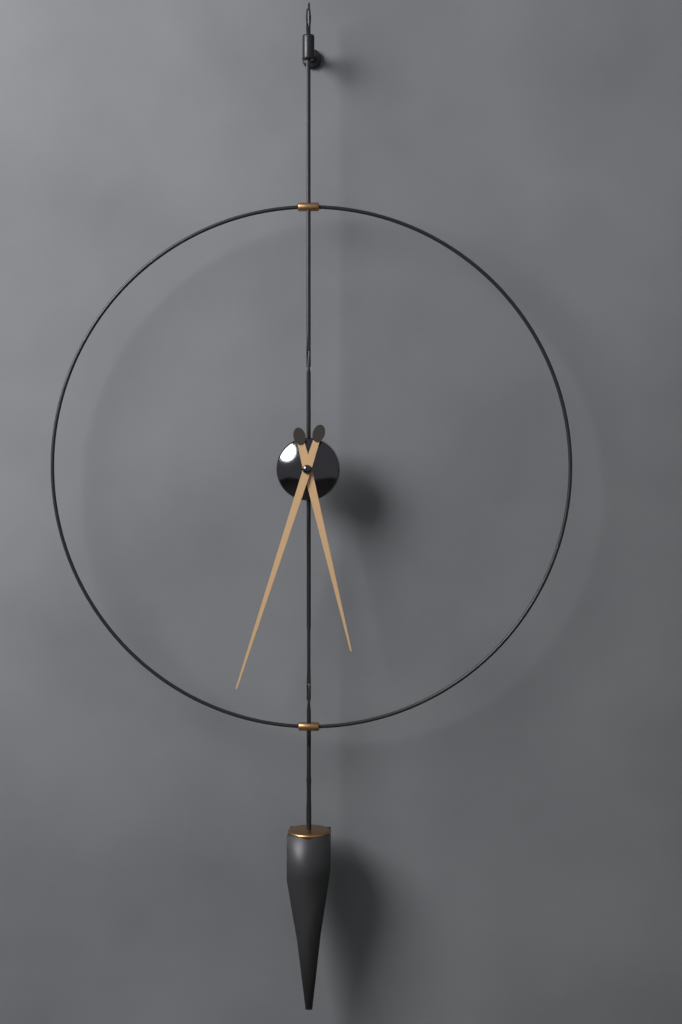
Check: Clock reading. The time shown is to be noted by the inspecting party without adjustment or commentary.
5:33
